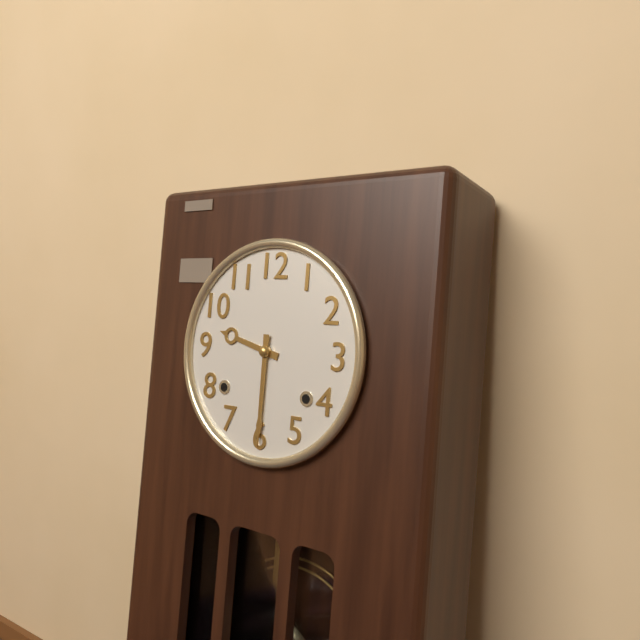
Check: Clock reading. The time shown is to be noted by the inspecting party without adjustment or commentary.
9:30
